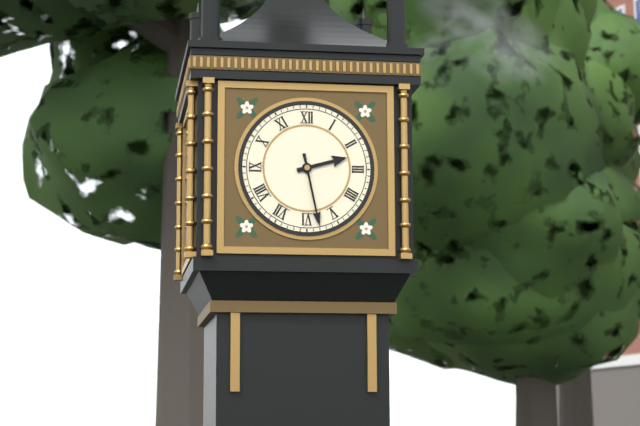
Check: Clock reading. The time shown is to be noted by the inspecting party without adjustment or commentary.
2:28
